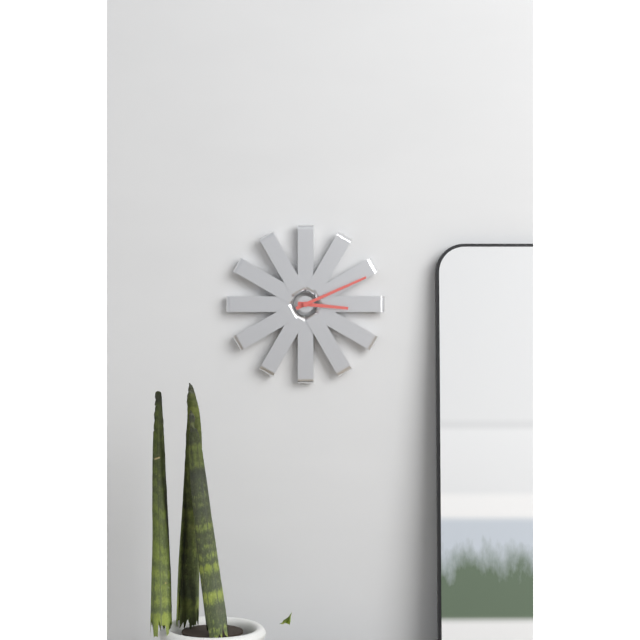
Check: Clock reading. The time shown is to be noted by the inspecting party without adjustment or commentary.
3:11
